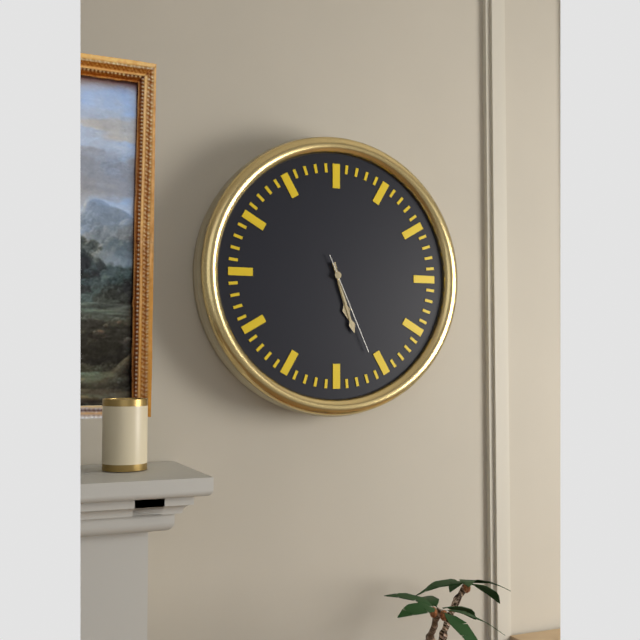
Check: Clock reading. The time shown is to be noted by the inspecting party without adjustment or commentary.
5:27:26
